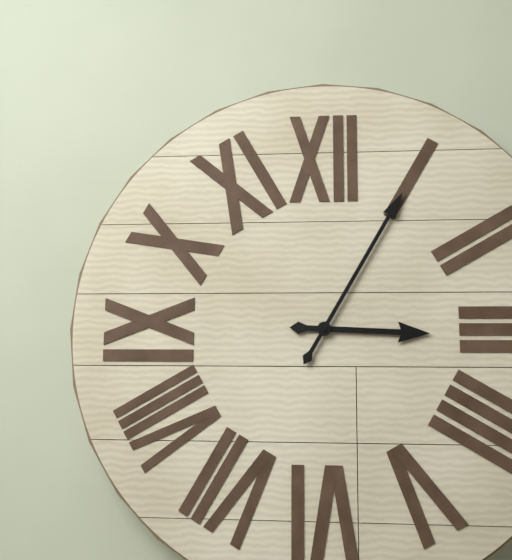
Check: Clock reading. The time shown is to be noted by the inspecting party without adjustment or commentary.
3:05
